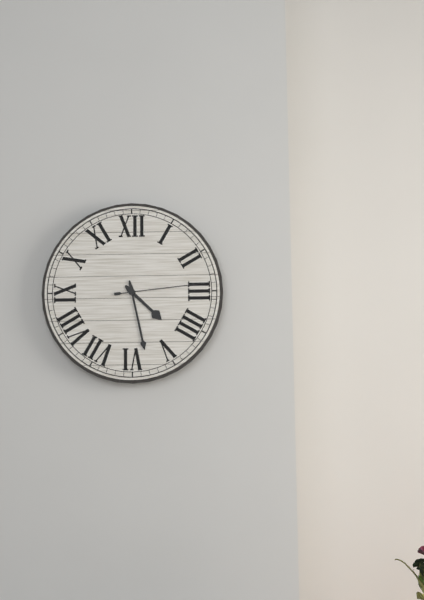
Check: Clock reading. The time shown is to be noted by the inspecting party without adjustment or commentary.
4:28:14
